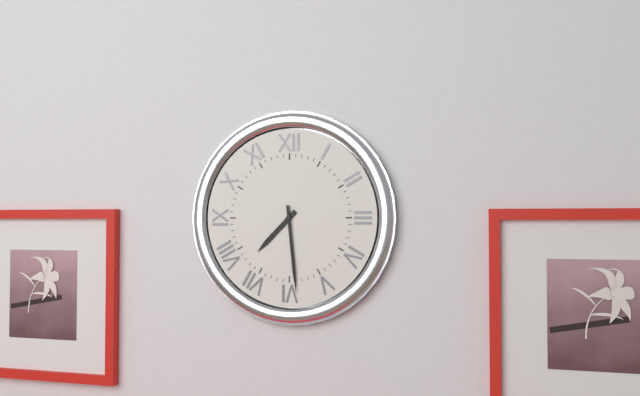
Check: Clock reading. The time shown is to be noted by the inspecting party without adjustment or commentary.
7:29
